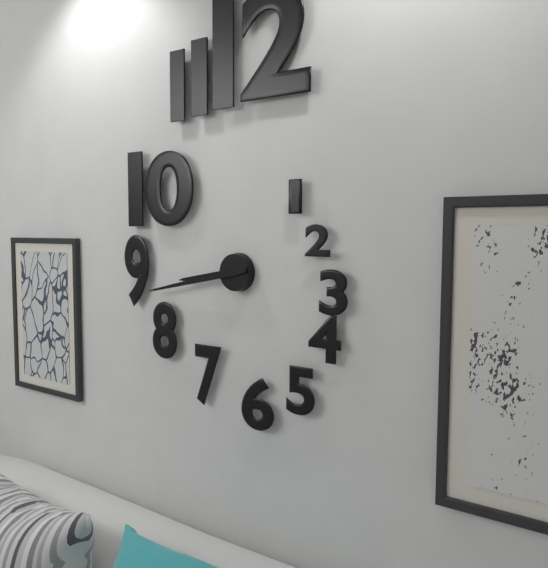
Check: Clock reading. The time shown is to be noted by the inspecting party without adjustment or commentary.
8:43
